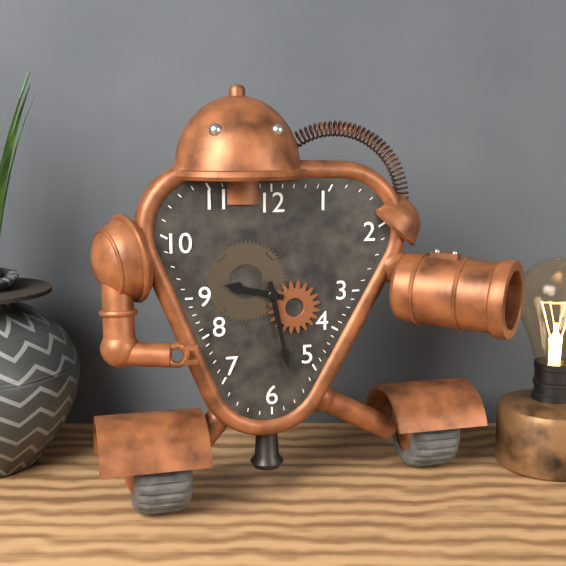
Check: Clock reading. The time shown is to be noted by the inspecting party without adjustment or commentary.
9:28
